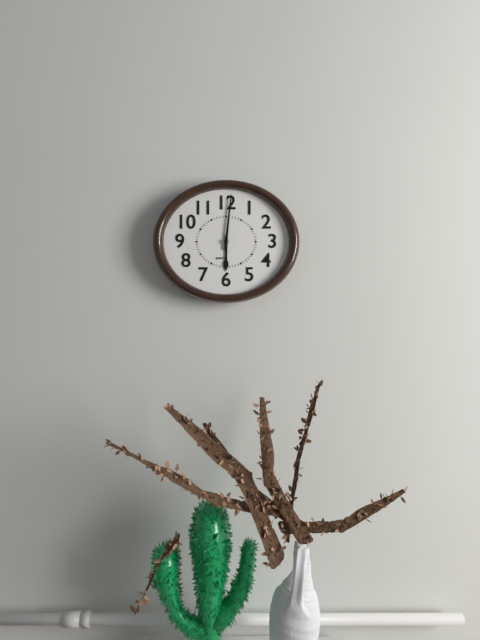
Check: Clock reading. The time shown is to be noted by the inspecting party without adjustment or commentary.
6:01
